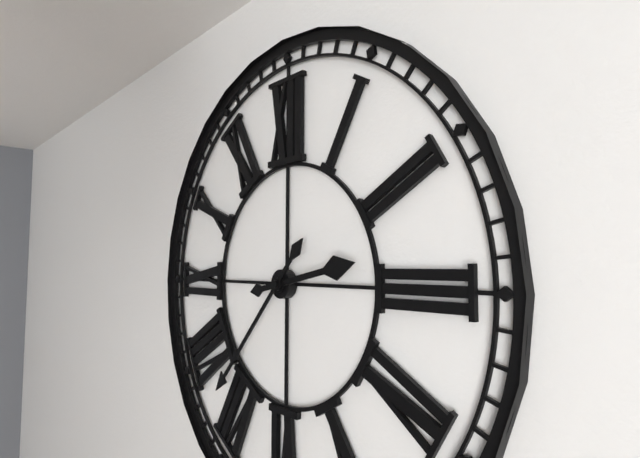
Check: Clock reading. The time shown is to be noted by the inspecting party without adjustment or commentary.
2:37
